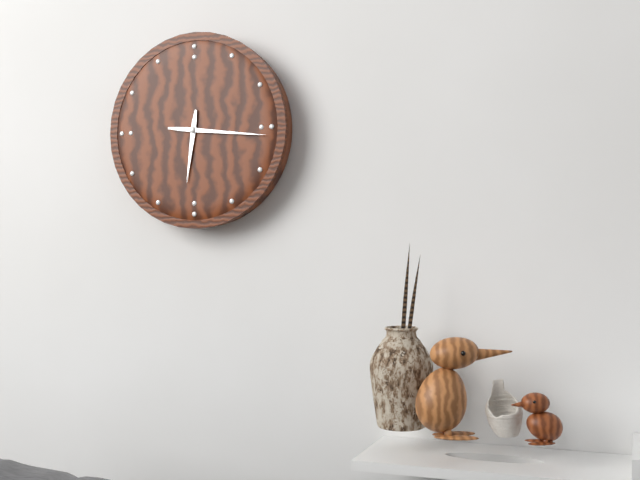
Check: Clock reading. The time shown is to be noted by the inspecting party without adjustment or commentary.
6:16
